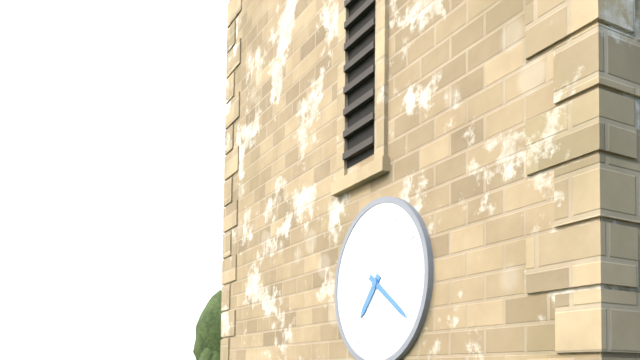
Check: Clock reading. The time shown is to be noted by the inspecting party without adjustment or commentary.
7:21
